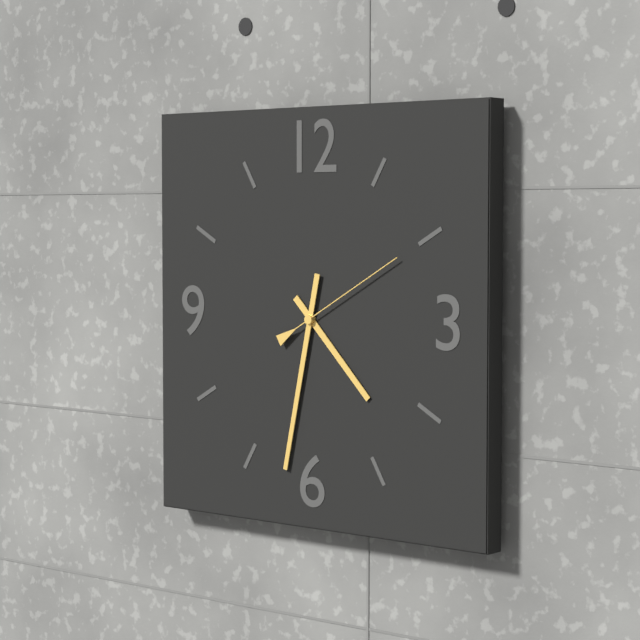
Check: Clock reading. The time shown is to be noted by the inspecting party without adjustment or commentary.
4:32:10
